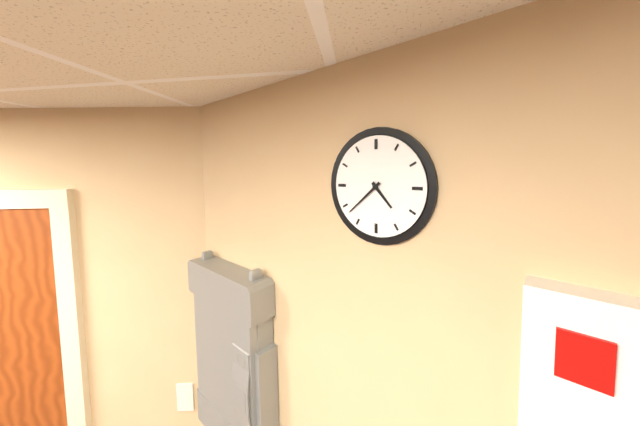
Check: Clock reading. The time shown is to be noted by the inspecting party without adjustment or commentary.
4:38
